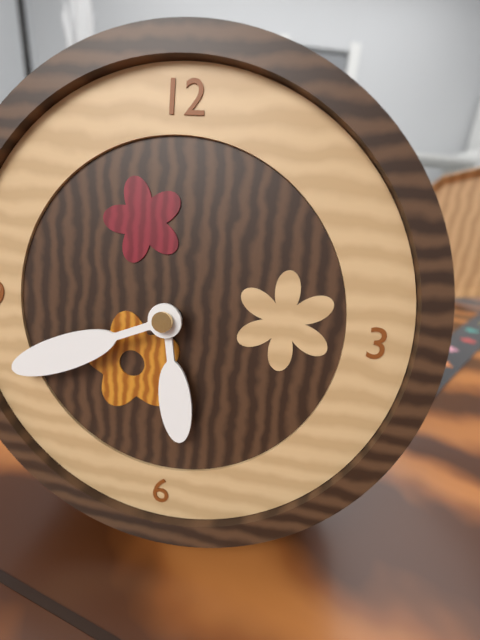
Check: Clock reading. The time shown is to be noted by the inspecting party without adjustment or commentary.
5:41
